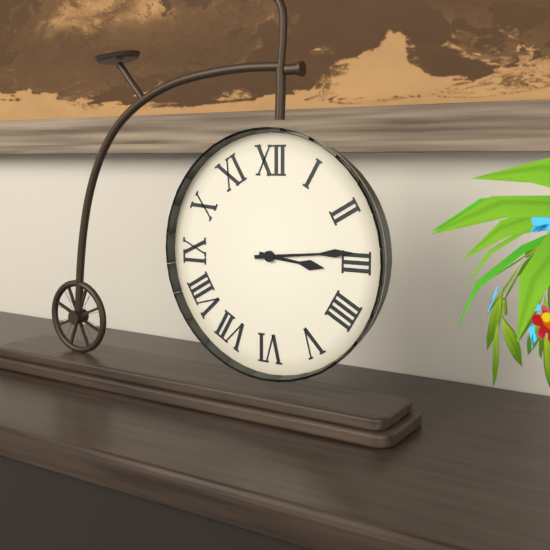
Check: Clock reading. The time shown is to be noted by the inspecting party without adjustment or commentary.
3:14
